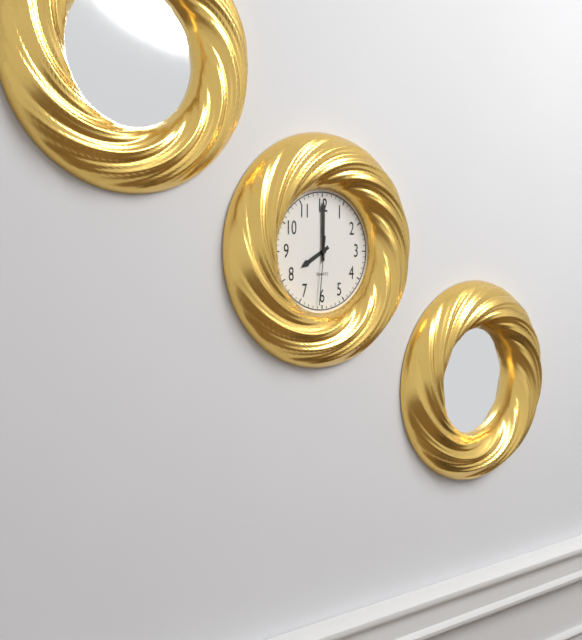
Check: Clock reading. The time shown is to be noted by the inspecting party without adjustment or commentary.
8:00:31
